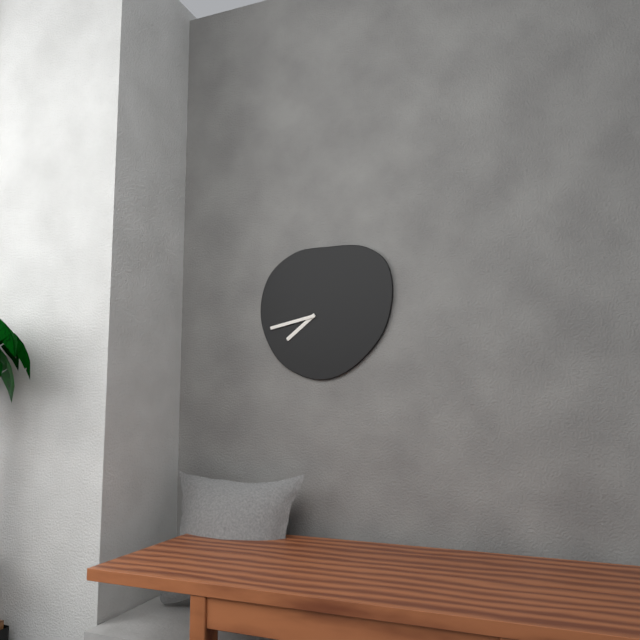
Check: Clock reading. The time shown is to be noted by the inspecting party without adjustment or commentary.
7:43
